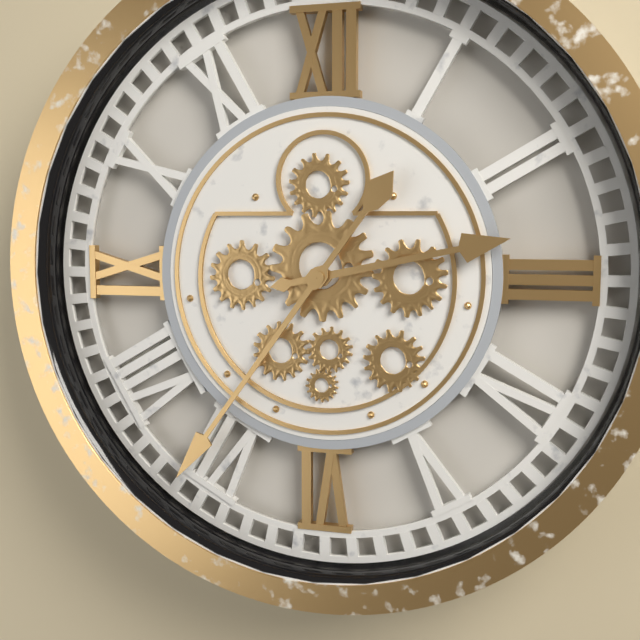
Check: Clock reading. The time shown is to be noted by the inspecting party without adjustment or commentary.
2:36
